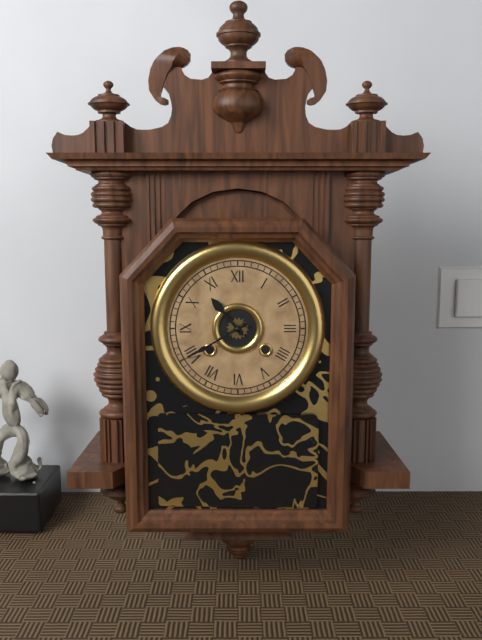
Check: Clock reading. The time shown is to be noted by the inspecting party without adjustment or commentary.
10:40
